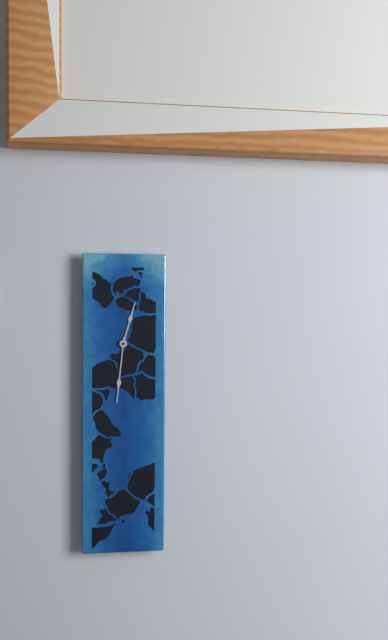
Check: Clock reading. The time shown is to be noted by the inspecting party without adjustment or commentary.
12:31
